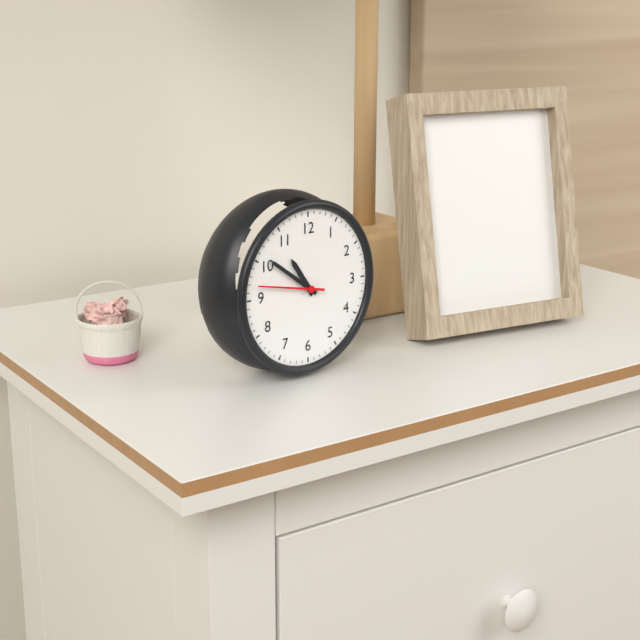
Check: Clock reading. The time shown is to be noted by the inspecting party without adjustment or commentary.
10:51:47
